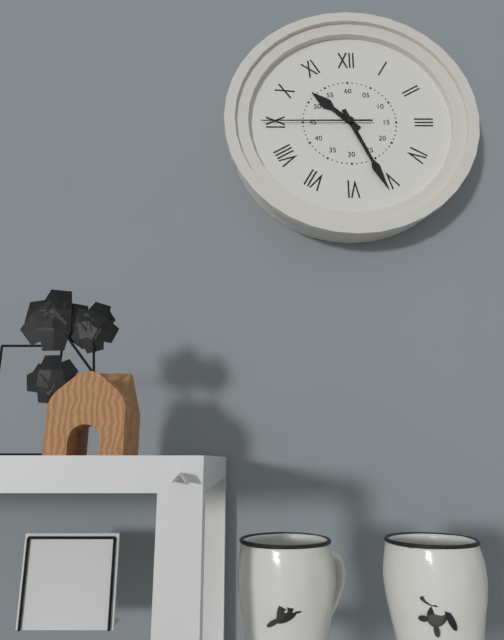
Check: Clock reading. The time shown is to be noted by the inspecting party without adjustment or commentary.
10:26:45
